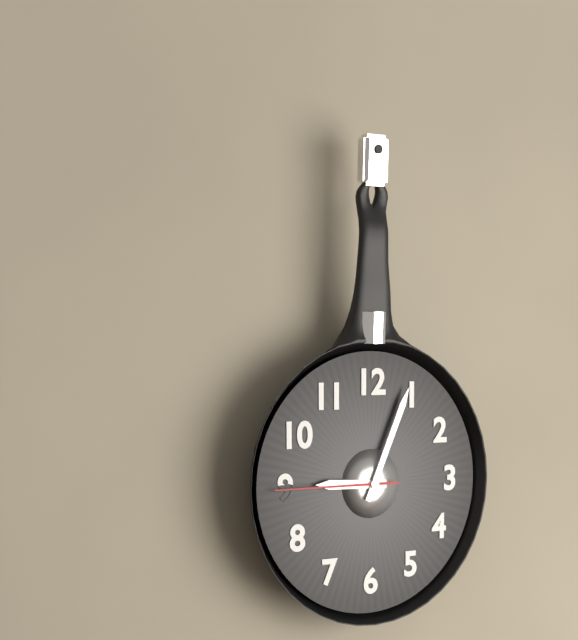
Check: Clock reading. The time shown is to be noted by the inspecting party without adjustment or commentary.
9:04:45
